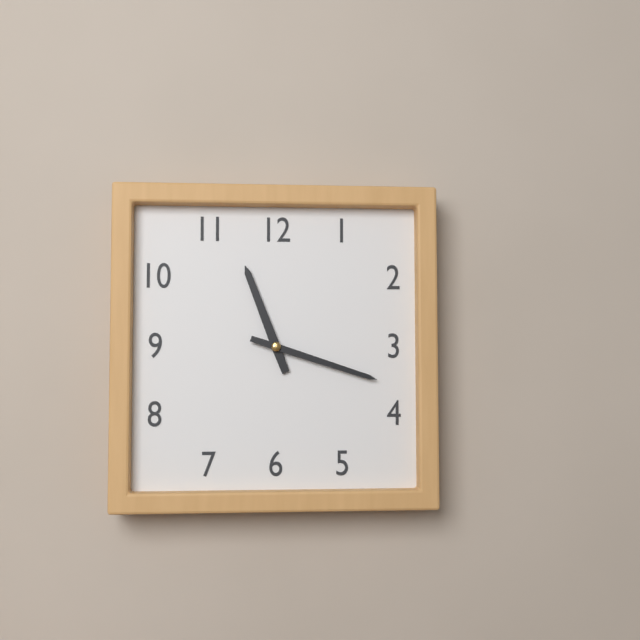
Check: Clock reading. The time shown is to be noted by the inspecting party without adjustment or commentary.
11:18
